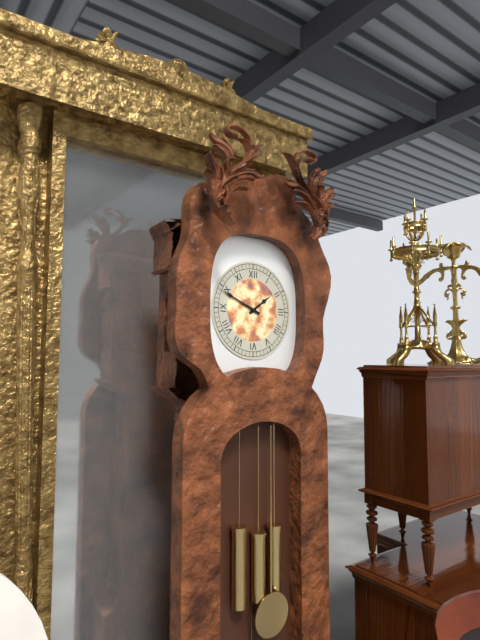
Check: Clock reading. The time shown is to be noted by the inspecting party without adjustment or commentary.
1:49
